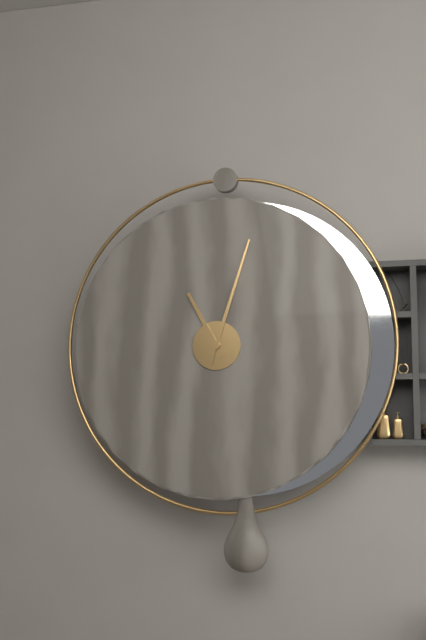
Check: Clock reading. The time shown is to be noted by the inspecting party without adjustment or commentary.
11:03
